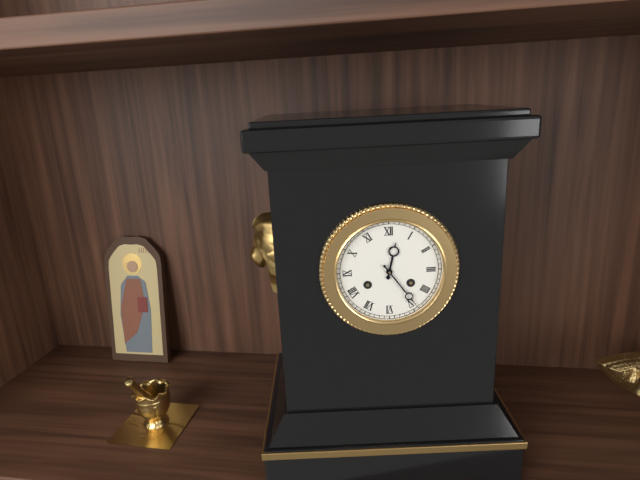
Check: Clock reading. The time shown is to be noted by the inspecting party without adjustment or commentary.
12:24
